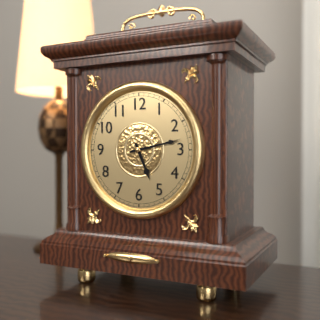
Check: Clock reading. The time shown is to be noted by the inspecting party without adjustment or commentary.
5:13
